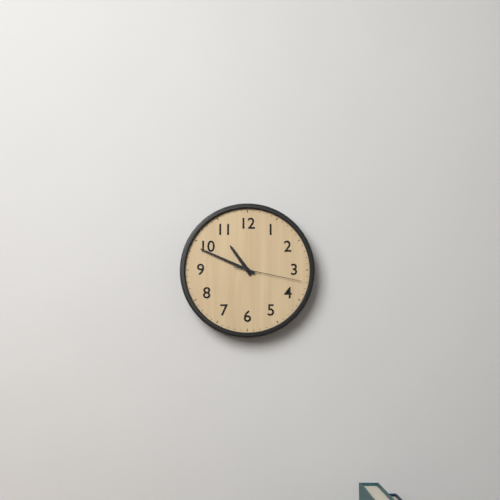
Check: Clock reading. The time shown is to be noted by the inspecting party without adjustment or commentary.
10:49:17
